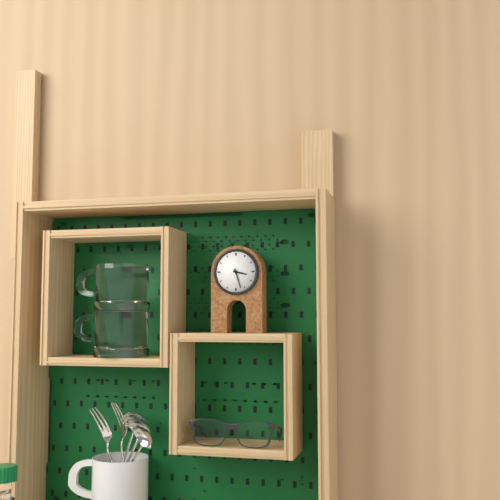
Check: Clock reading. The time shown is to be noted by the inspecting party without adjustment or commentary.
3:27
